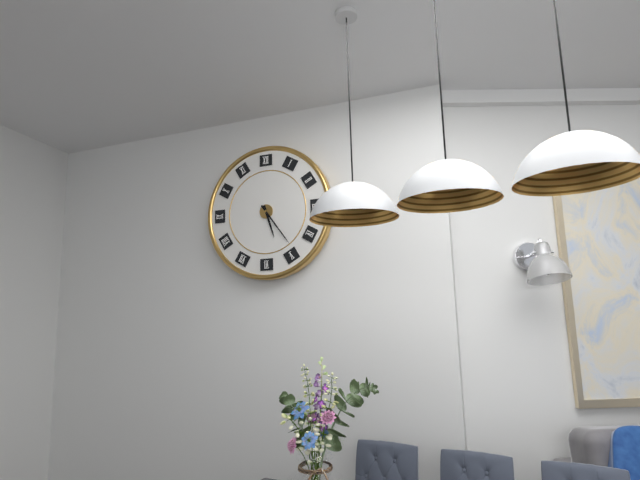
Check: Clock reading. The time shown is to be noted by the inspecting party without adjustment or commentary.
5:24
